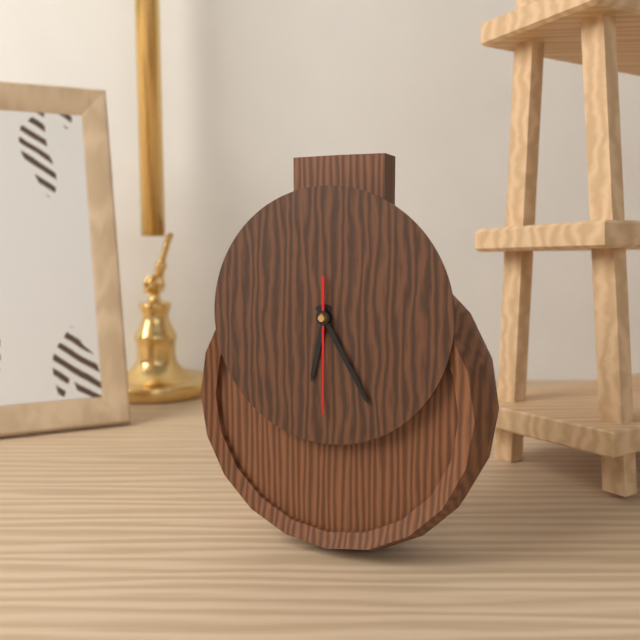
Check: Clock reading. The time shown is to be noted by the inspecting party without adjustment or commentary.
6:25:30
